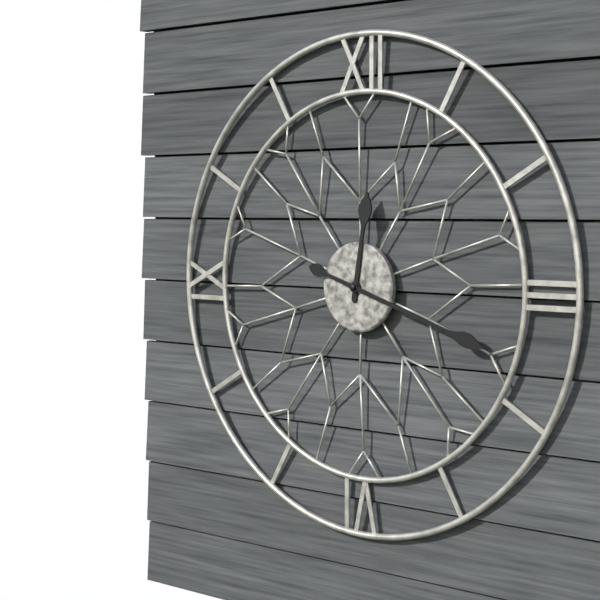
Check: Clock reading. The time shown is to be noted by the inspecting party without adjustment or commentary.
12:18
